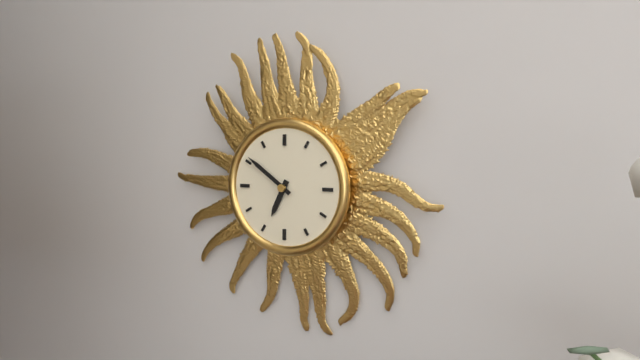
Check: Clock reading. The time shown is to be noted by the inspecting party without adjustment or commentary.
6:51
